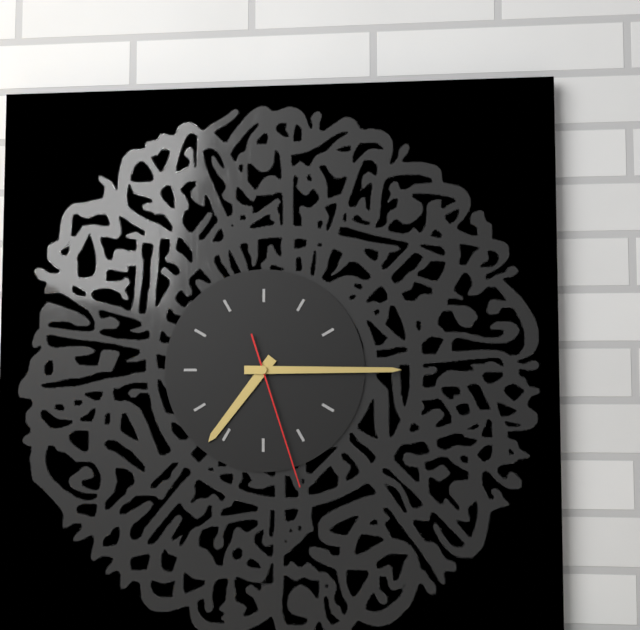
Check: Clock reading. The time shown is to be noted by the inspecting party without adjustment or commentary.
7:15:27
